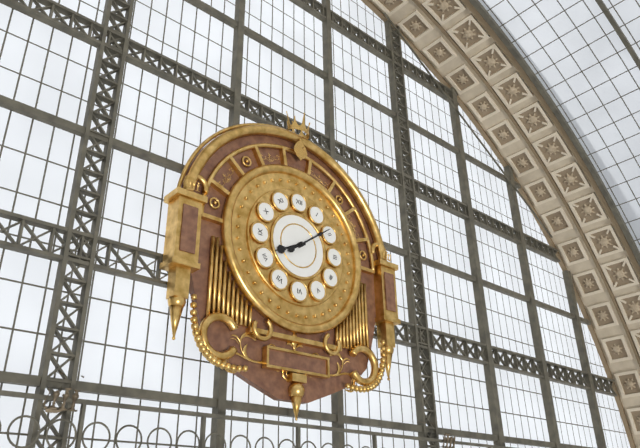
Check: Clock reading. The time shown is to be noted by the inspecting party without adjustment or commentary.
8:09
